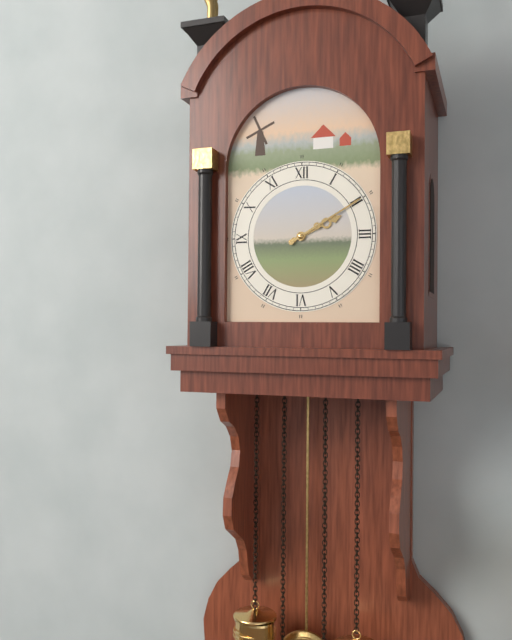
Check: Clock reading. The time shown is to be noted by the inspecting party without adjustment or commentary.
2:10
